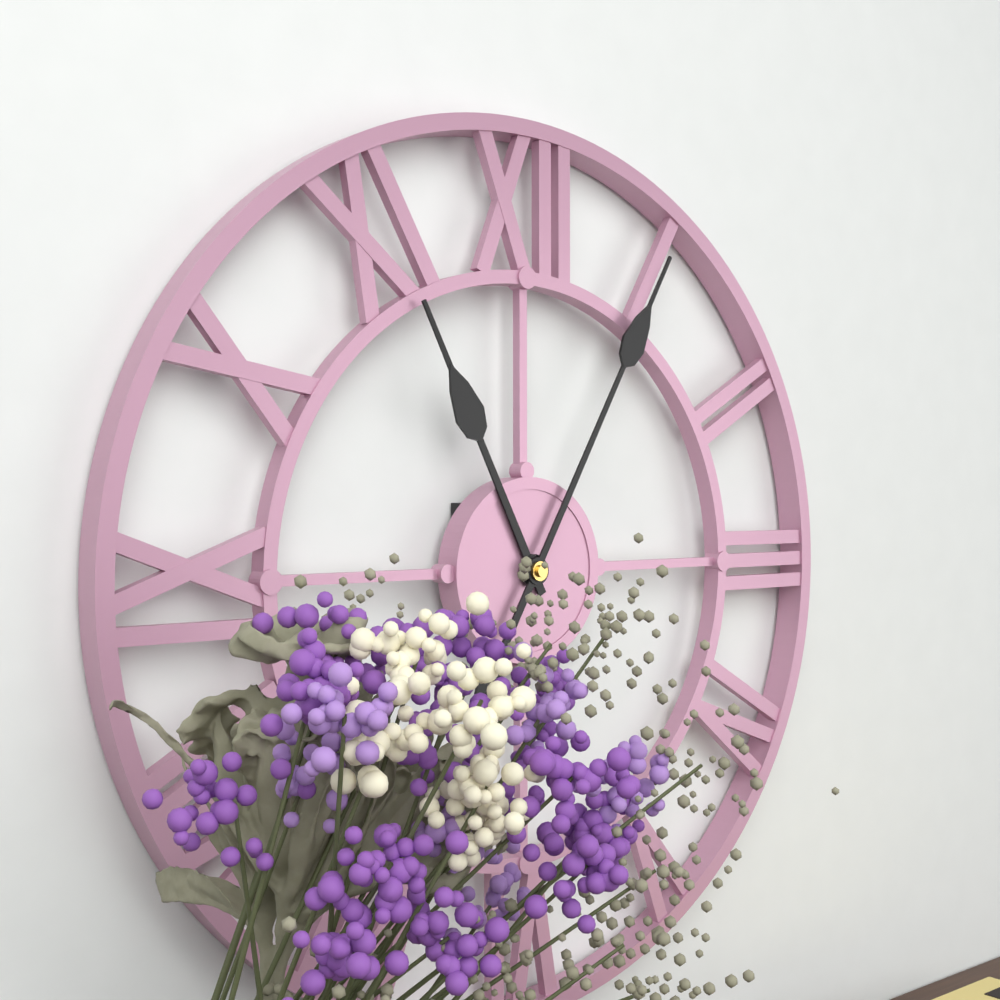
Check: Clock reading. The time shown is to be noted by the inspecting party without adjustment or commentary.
11:05
